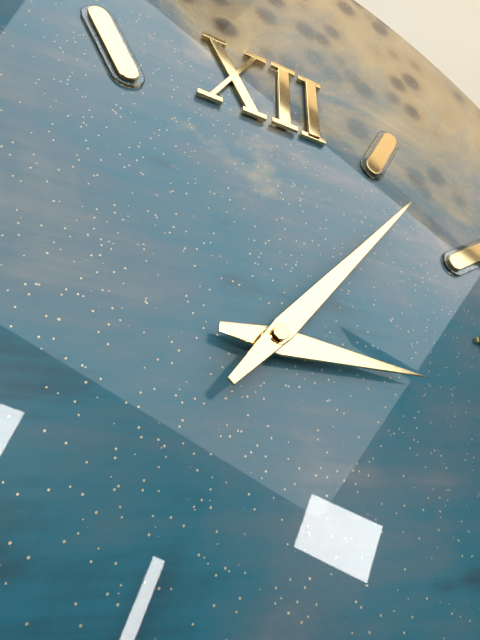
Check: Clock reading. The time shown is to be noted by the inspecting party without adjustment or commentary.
3:07
